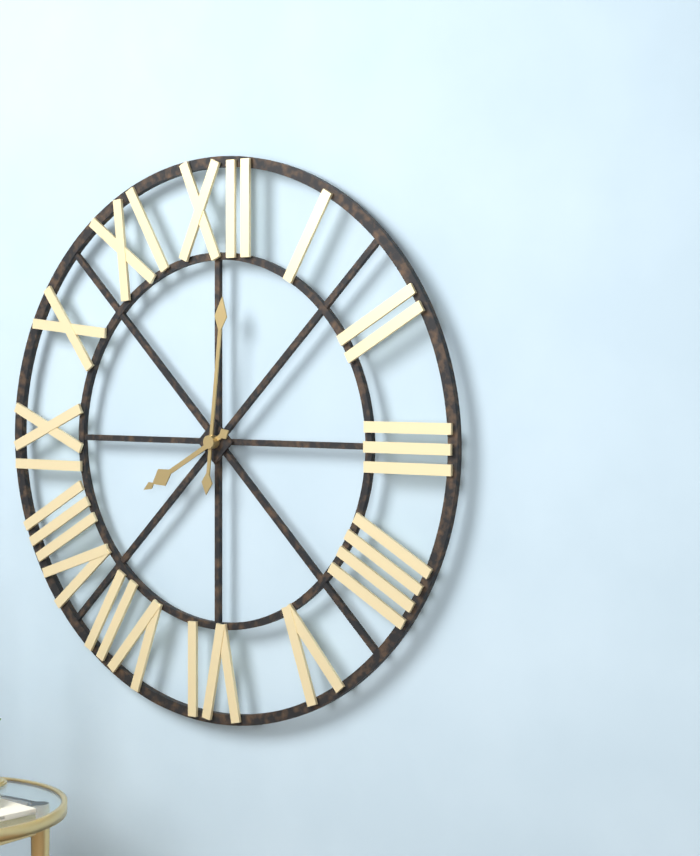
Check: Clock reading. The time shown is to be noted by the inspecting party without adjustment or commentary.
8:01
